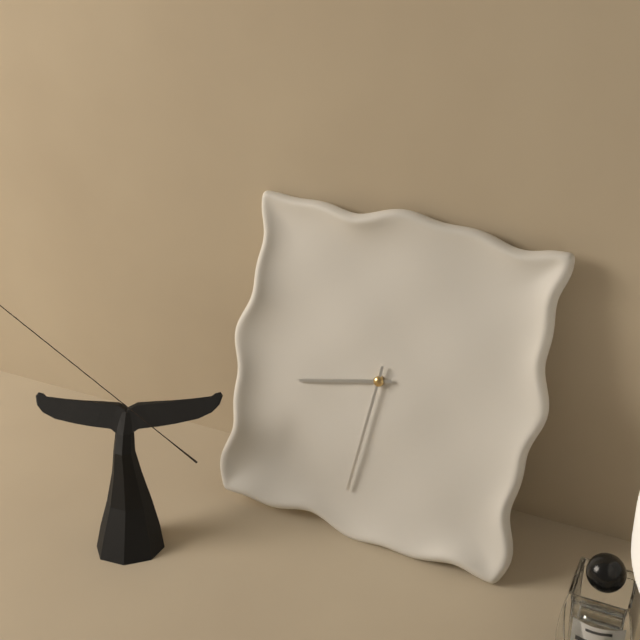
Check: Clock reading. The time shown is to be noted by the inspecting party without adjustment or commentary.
8:31
